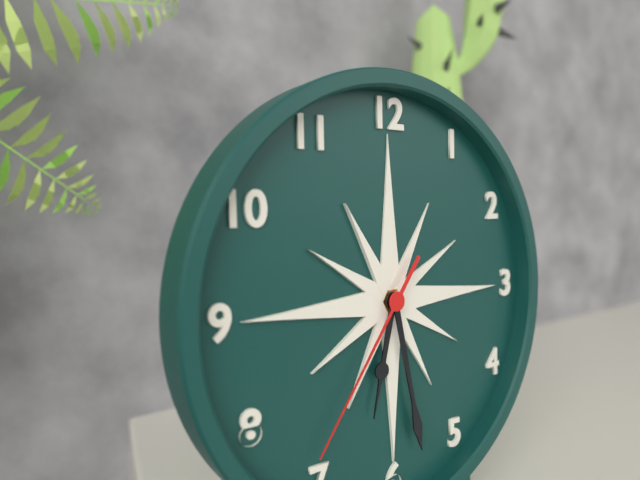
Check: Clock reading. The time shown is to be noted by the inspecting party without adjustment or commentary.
6:28:36
